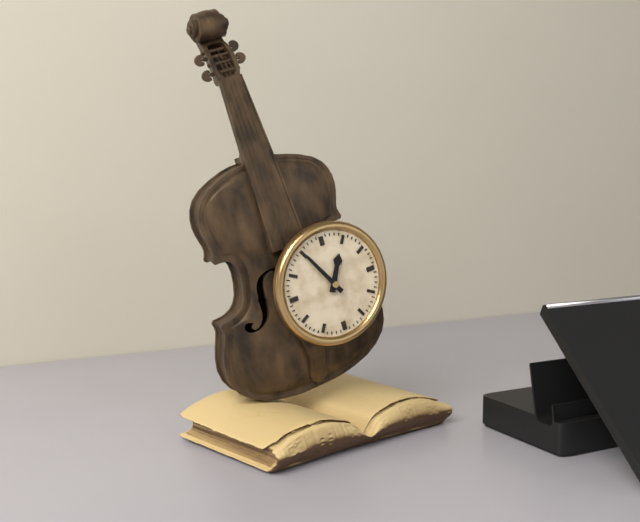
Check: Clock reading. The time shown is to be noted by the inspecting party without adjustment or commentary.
12:55
